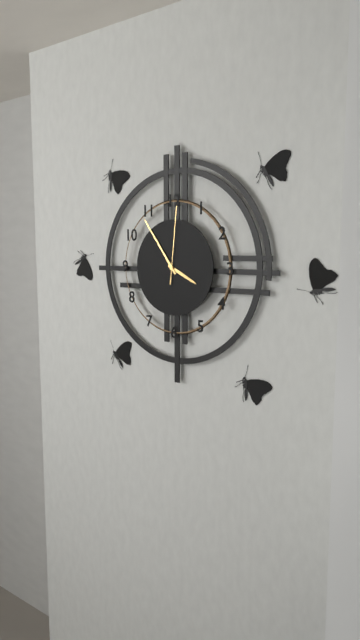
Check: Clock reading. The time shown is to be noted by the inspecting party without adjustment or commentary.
3:54:01
